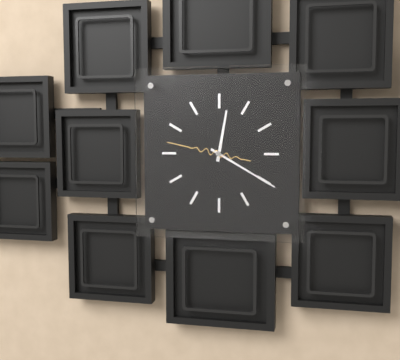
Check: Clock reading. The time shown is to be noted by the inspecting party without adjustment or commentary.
12:20:47
